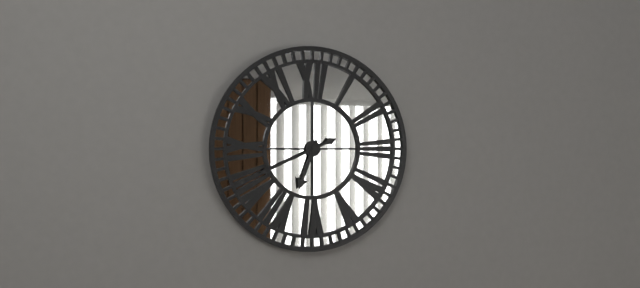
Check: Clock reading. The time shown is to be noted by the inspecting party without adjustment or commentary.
6:41
